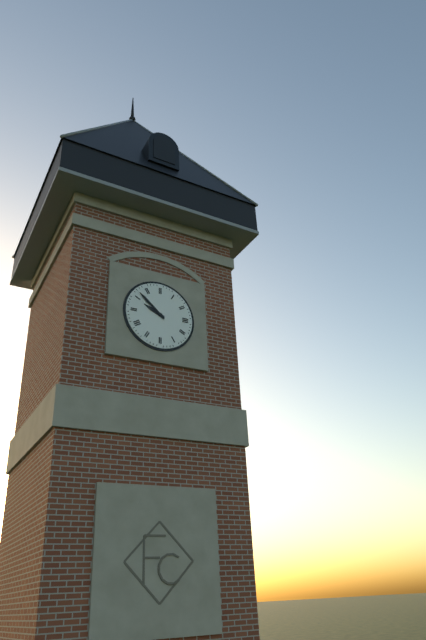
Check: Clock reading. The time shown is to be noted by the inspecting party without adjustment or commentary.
9:52
